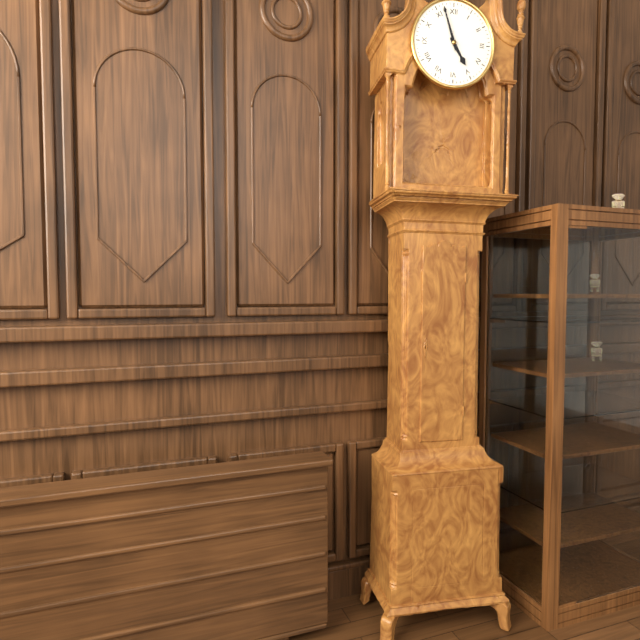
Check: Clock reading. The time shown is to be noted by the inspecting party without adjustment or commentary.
4:57
